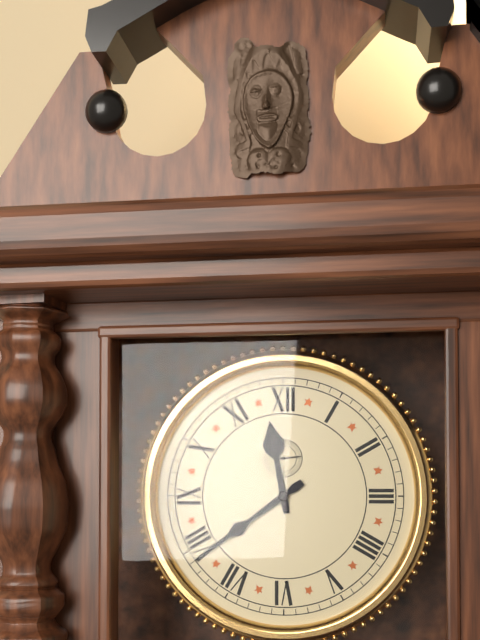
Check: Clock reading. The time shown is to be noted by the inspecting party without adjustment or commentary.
11:39
